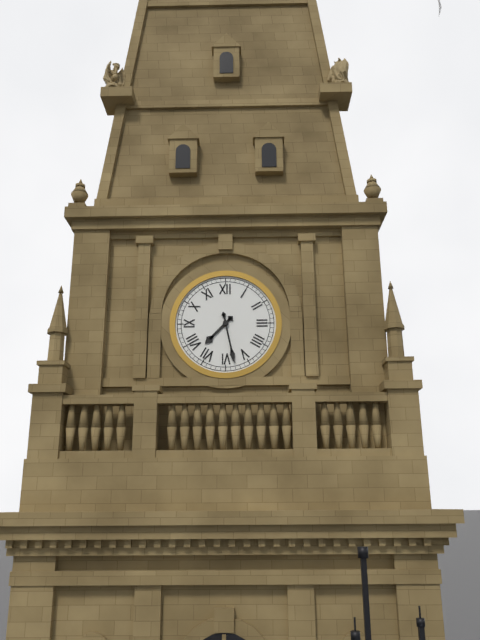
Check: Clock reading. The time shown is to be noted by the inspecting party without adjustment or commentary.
7:28
